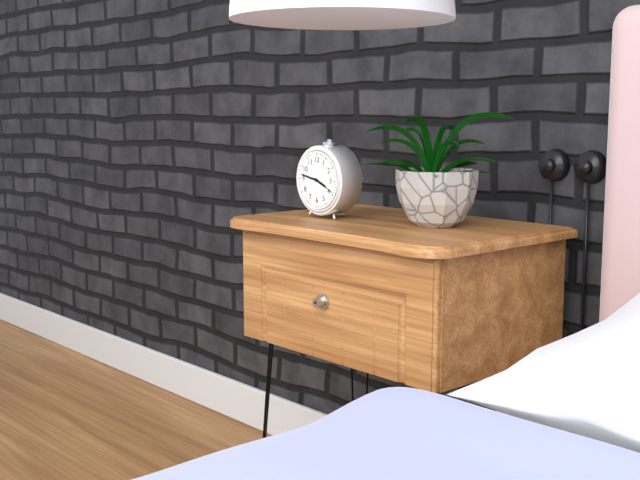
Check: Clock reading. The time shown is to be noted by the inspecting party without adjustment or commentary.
3:47
